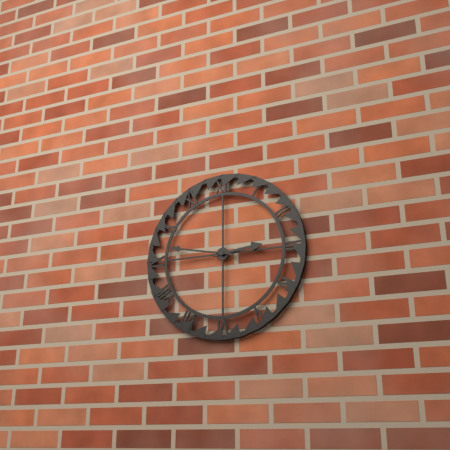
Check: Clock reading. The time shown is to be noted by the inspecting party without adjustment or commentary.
2:47
